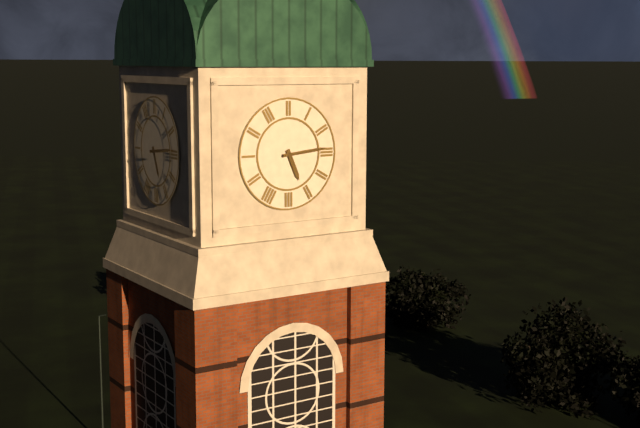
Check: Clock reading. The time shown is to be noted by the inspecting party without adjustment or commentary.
5:14
